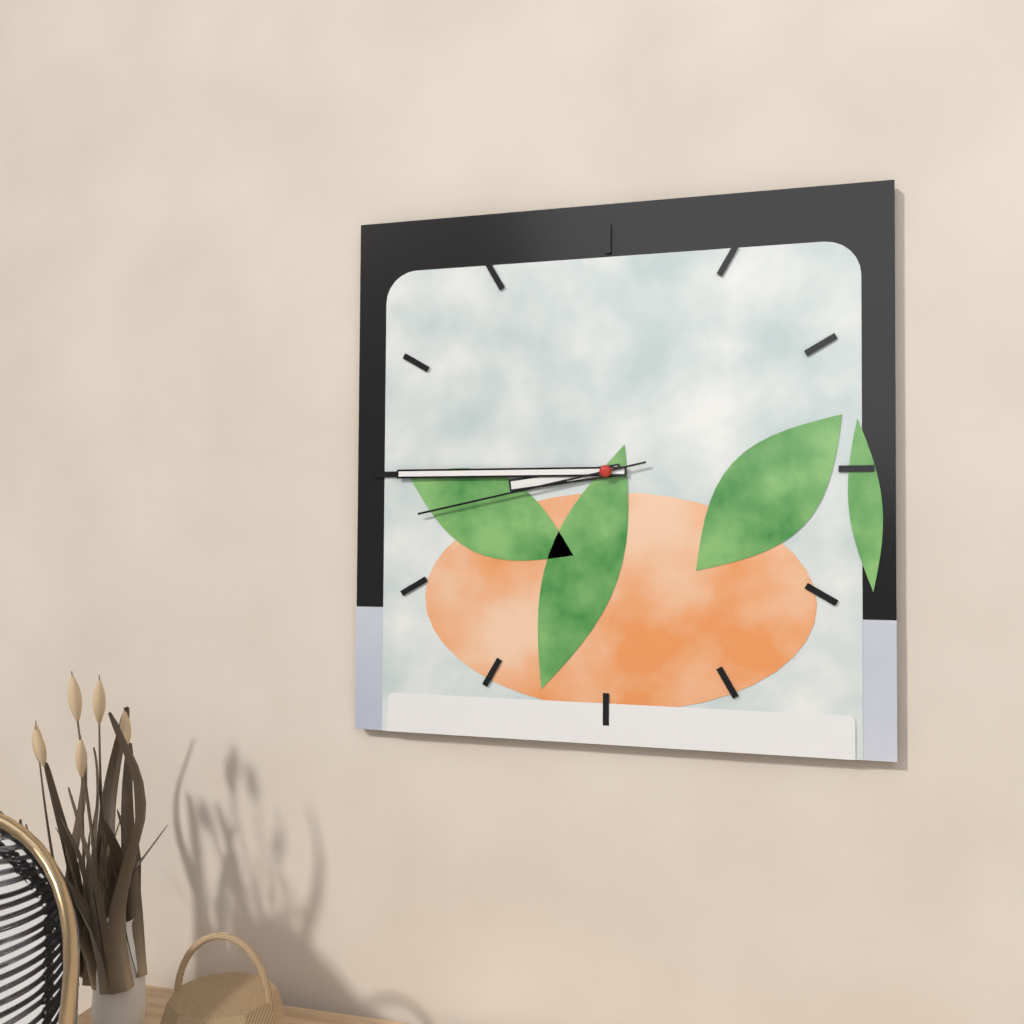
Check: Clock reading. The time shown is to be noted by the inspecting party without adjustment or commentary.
8:45:43
